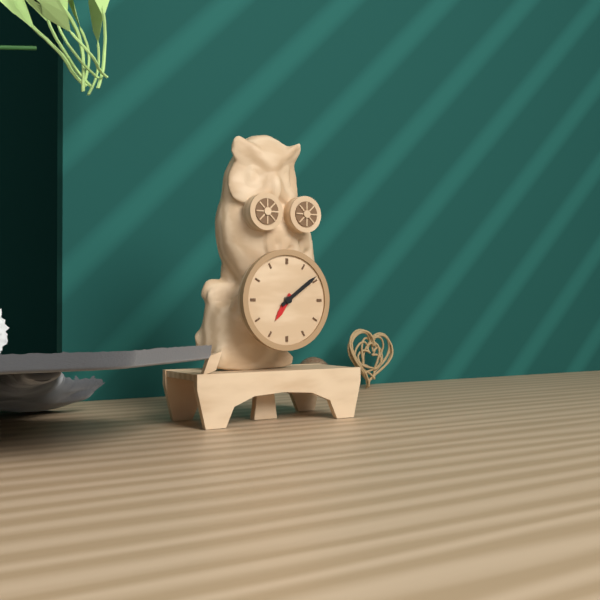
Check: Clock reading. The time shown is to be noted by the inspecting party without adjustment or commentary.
7:09
